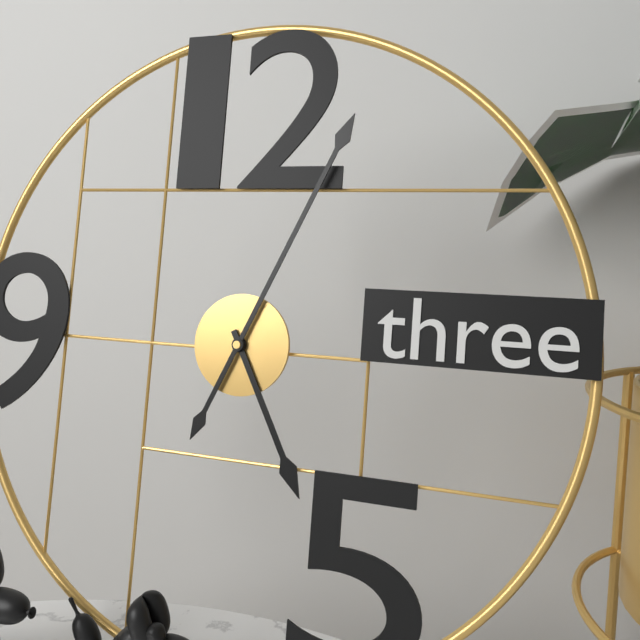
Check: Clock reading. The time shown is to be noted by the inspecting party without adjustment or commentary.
5:04
